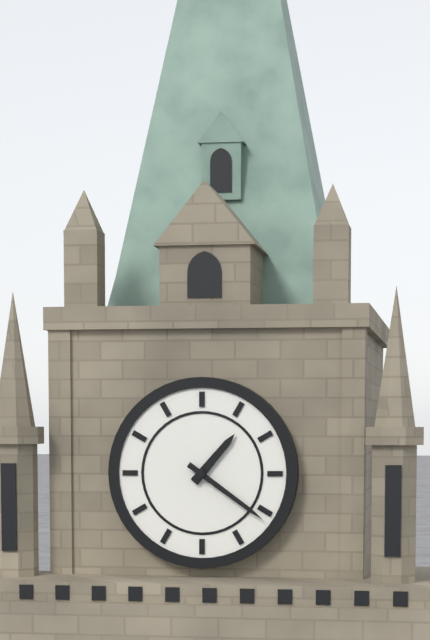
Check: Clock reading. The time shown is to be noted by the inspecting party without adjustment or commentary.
1:21
